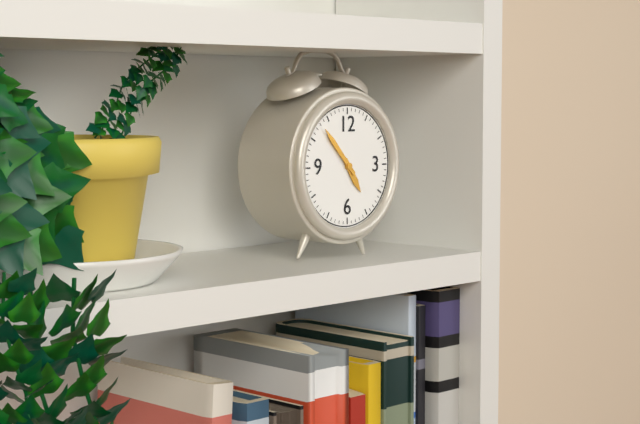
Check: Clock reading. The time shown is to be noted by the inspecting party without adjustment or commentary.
4:53
